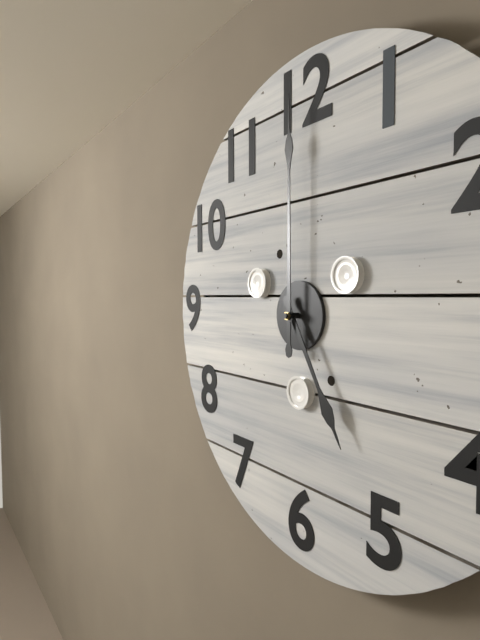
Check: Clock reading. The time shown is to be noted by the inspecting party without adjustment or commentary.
5:00
